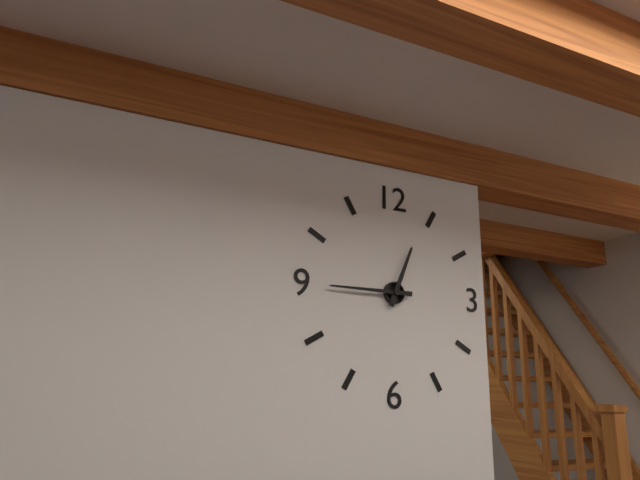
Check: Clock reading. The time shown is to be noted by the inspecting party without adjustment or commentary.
12:45
